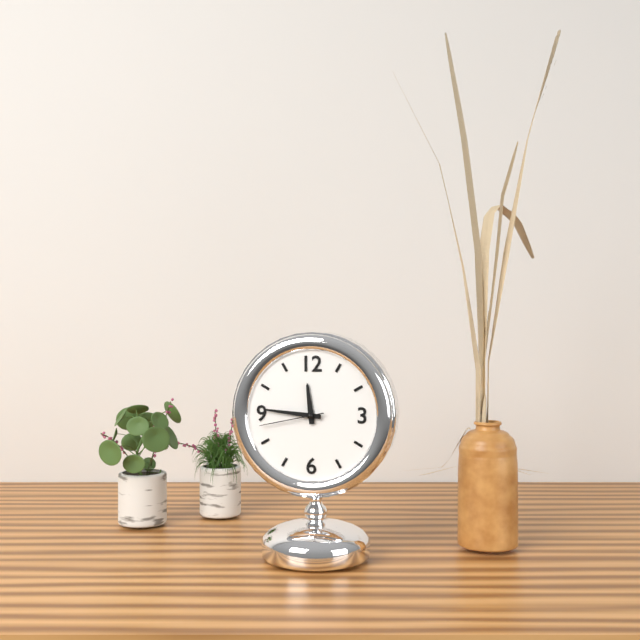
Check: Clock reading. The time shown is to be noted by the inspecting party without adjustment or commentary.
11:46:43
